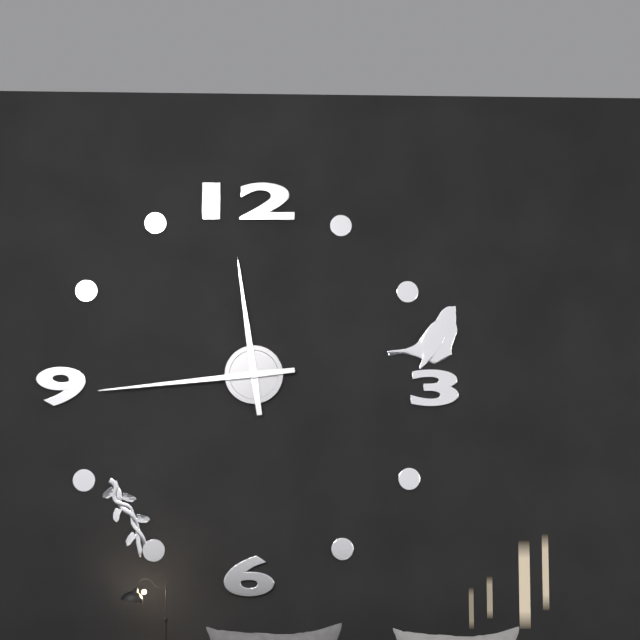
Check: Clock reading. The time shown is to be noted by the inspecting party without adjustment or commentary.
11:44
